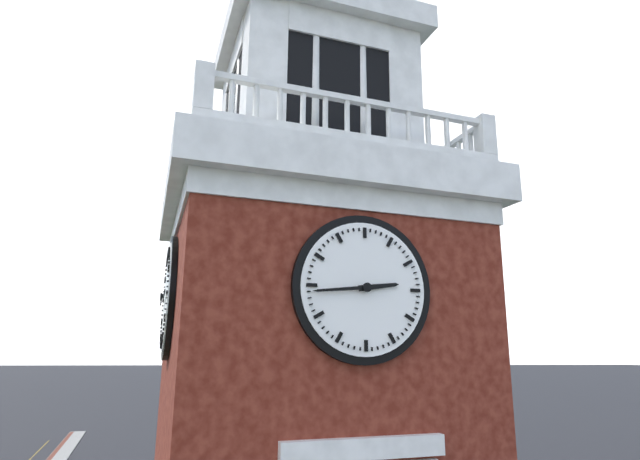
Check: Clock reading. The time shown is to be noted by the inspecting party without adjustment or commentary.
2:44
